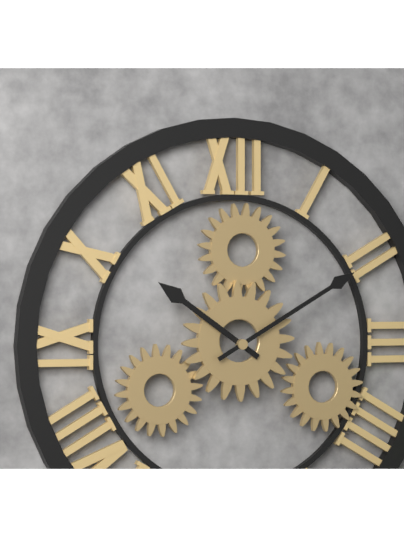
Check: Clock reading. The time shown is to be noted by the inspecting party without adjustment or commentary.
10:10
